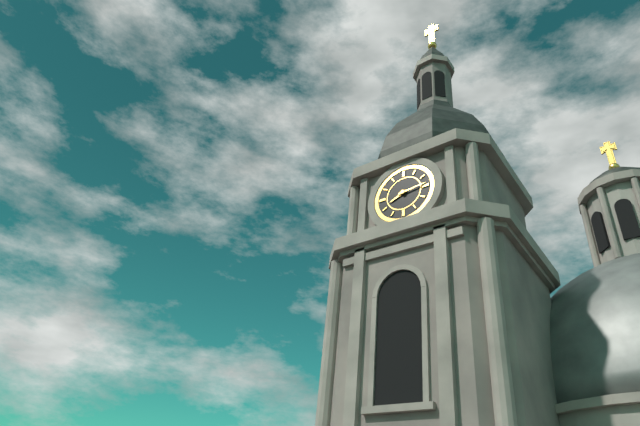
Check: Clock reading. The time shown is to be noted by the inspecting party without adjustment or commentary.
8:14
